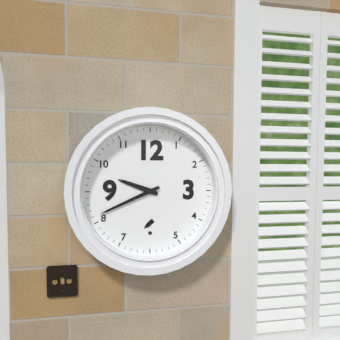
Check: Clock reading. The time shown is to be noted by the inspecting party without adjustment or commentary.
9:41
